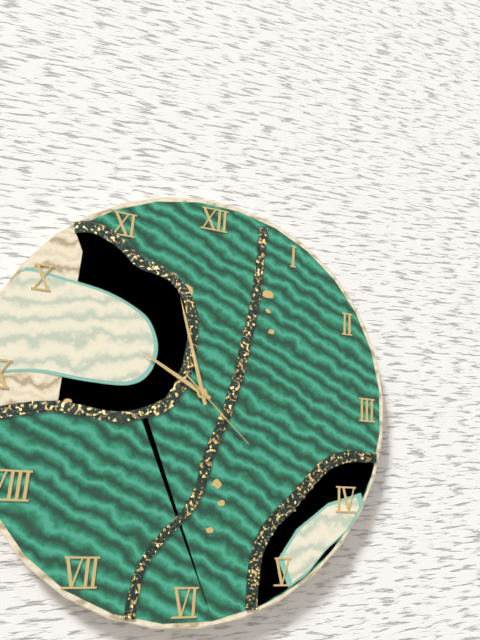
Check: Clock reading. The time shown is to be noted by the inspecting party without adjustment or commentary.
9:57:22
